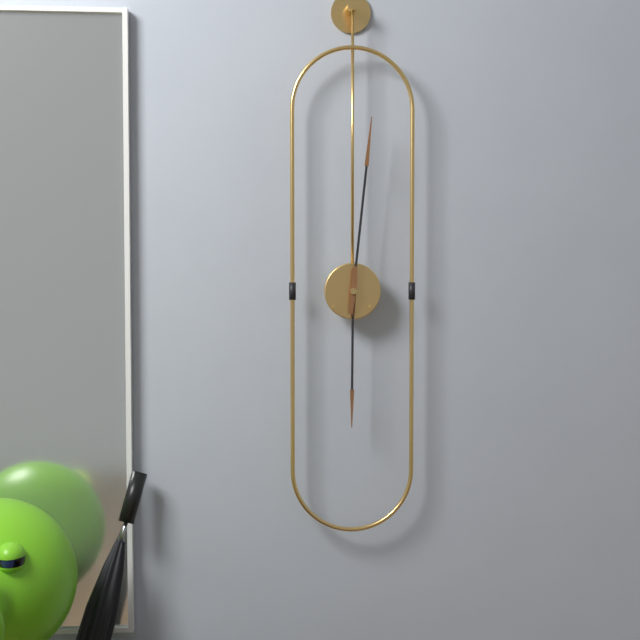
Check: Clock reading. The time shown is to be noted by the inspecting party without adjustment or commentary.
6:01
